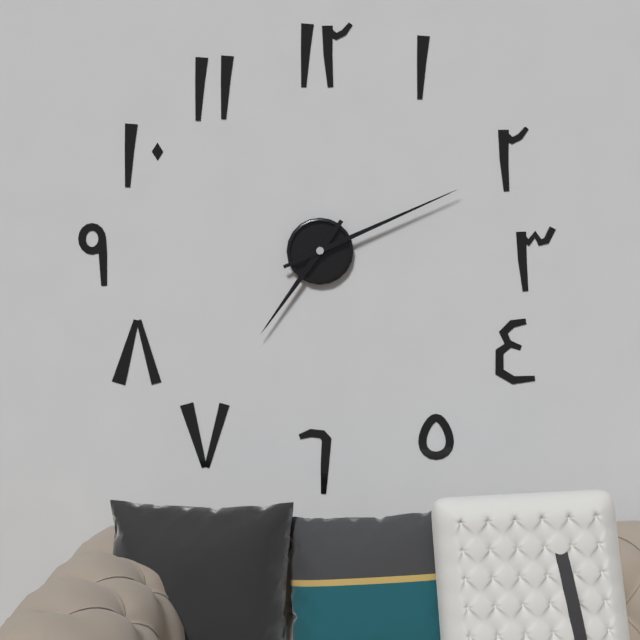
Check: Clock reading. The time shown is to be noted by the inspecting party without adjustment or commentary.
7:11
